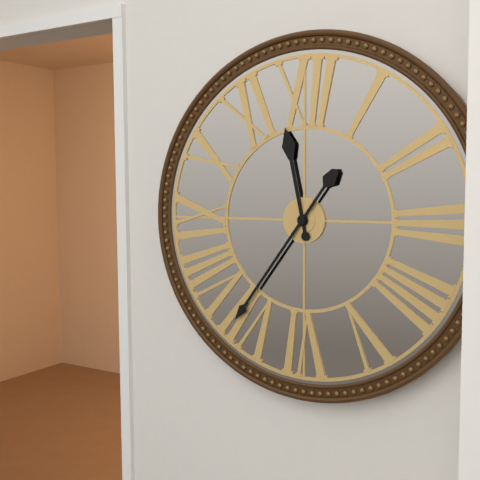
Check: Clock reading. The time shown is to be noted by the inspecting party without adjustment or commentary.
11:36
